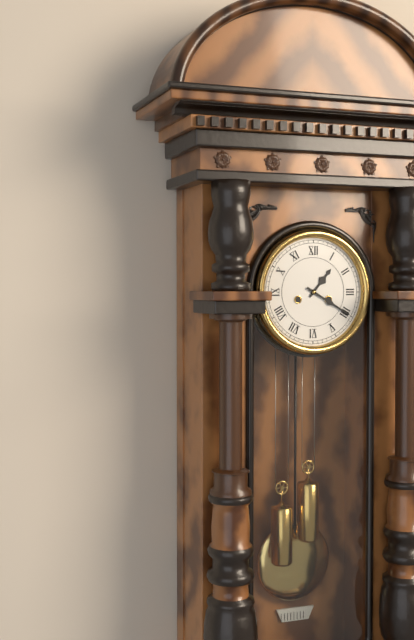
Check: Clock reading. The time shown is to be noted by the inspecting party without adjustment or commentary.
1:20
